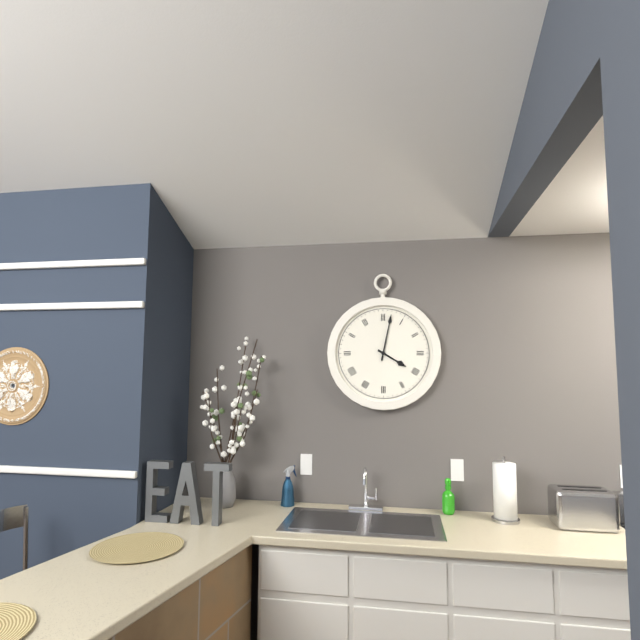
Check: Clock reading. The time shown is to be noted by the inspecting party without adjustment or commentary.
4:02
